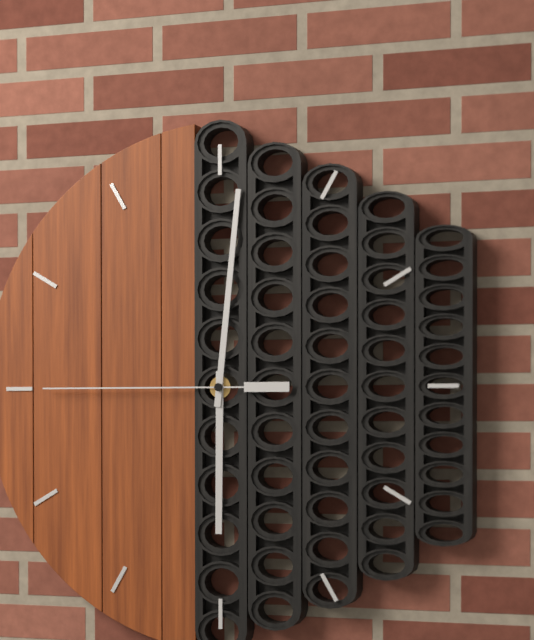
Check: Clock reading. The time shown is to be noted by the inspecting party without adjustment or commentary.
6:01:45
